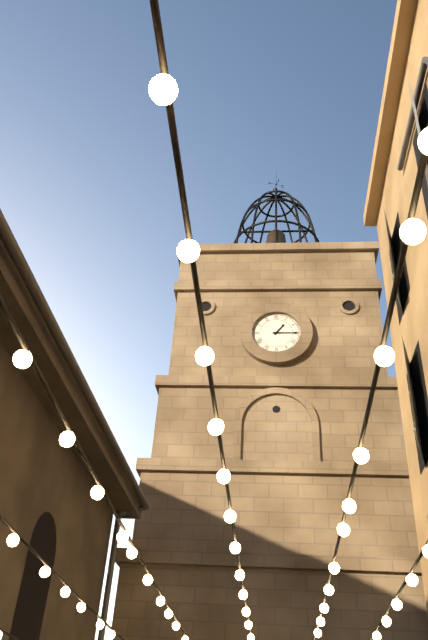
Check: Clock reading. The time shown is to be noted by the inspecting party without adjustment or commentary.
1:15
